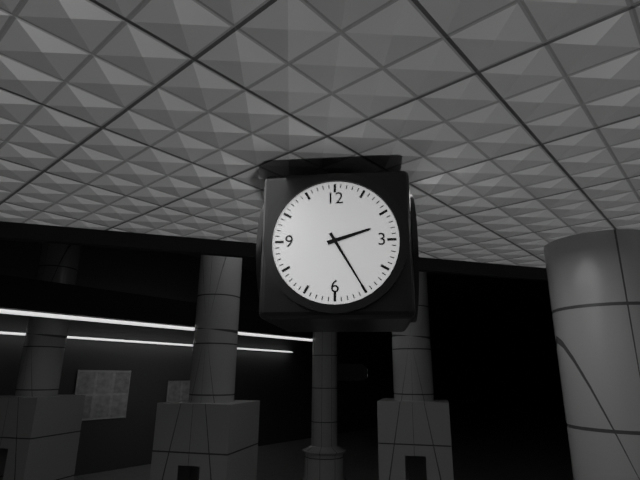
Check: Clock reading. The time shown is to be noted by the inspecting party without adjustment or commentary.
2:25
